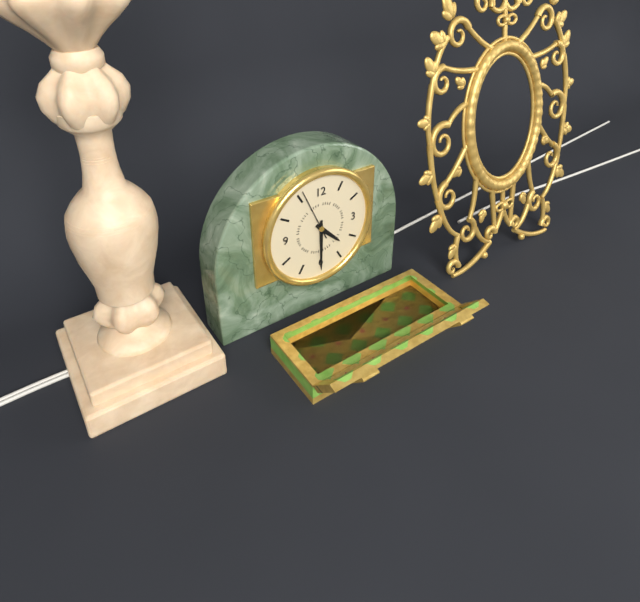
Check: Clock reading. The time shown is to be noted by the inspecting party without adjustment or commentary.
4:30:56
